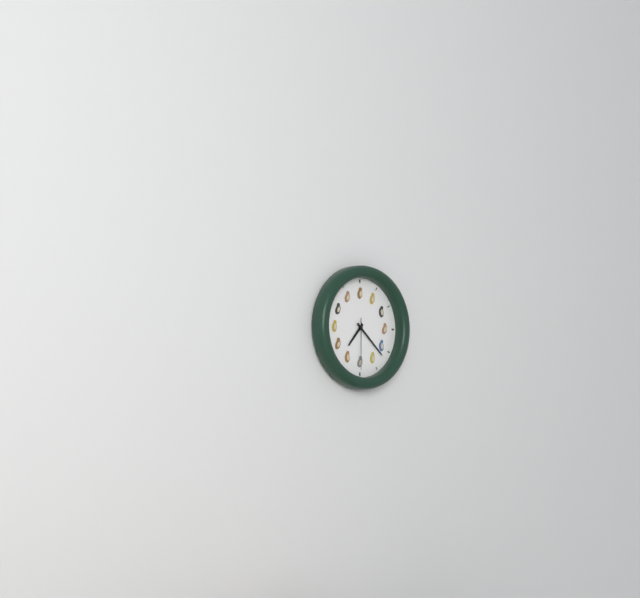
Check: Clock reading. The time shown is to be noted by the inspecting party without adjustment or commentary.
7:22:30
